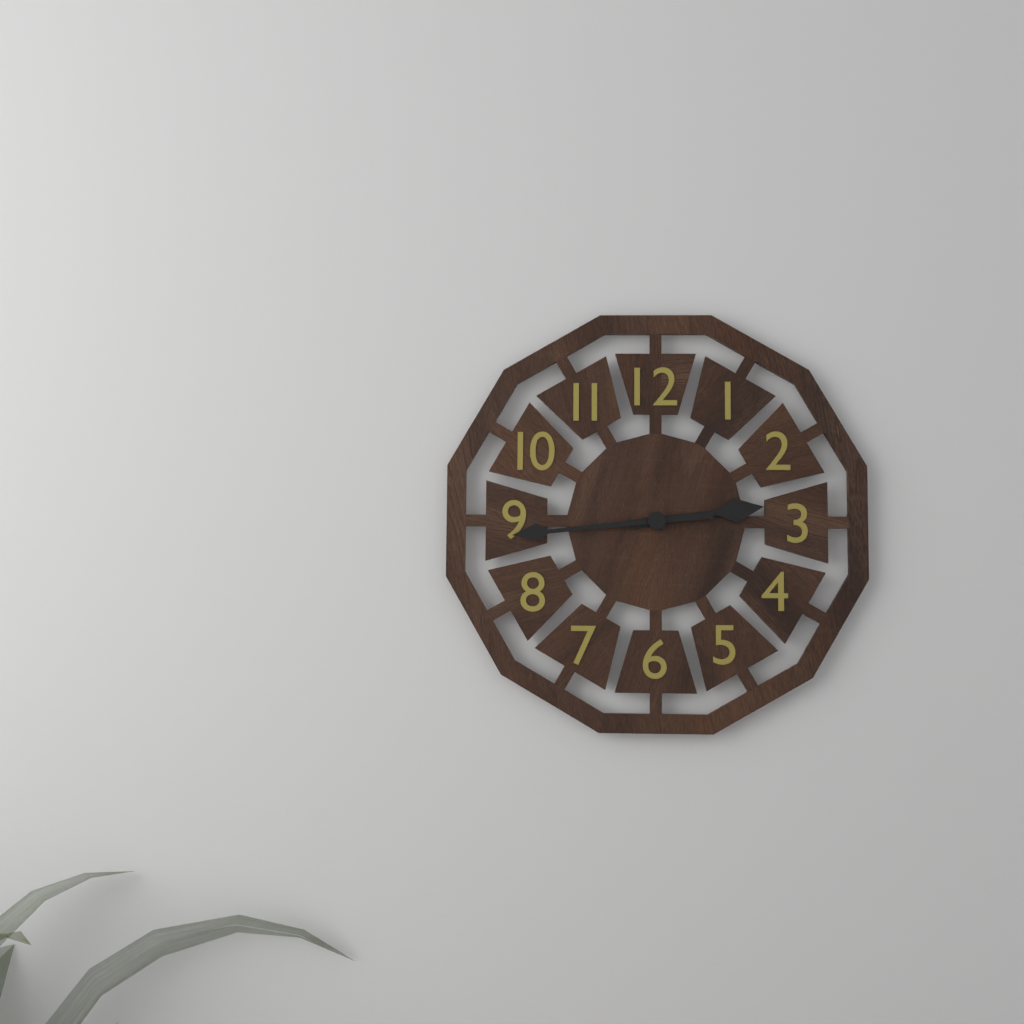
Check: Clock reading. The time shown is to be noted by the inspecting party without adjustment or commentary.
2:44
